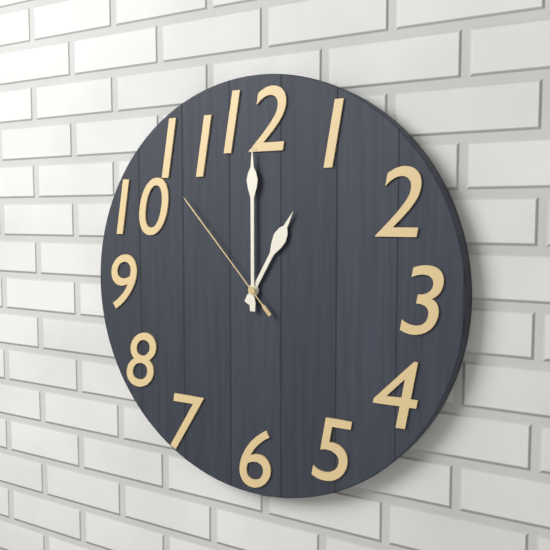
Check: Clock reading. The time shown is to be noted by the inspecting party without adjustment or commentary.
1:00:53
